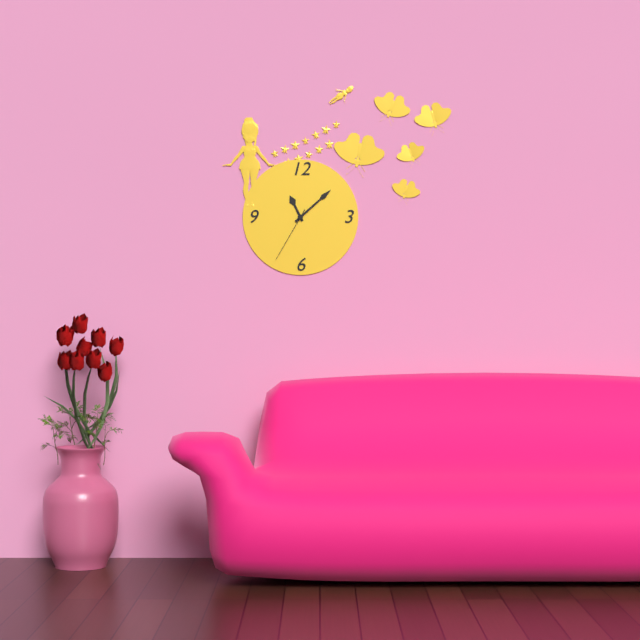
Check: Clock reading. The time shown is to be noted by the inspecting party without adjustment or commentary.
11:08:35
